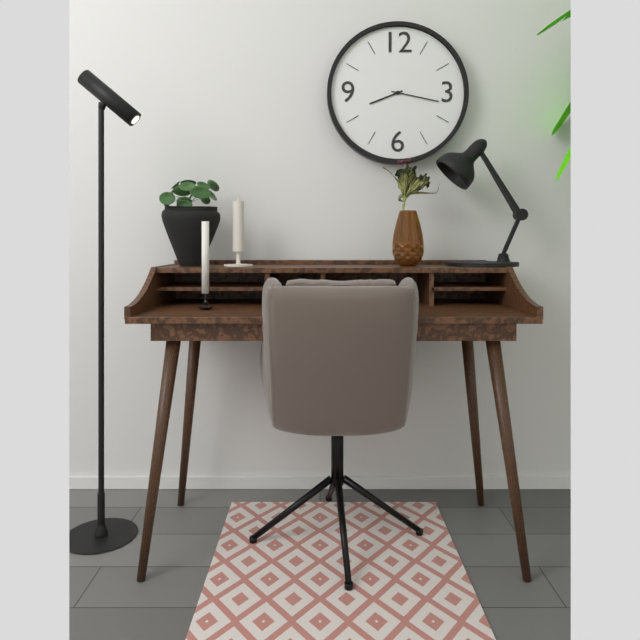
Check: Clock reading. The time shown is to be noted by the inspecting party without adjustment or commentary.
8:17
